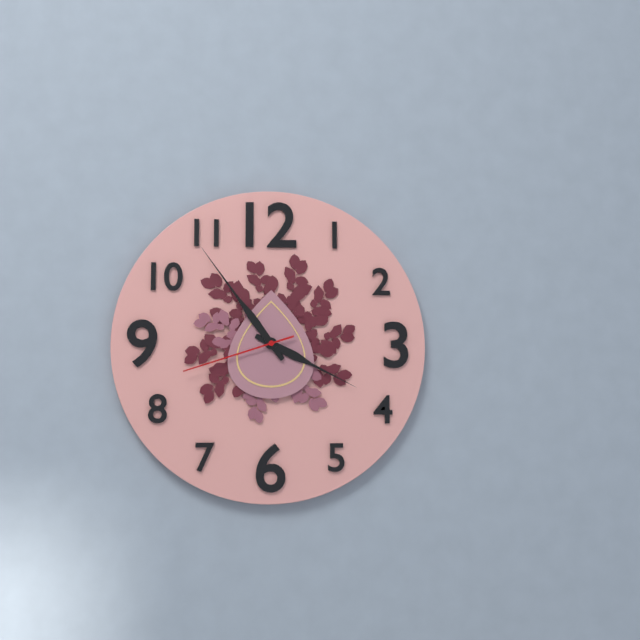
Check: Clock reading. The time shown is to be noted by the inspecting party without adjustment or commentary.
3:54:42
